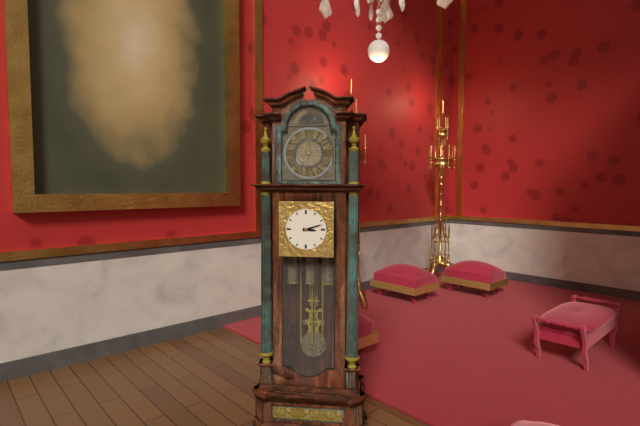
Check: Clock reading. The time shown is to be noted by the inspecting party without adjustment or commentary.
3:12
